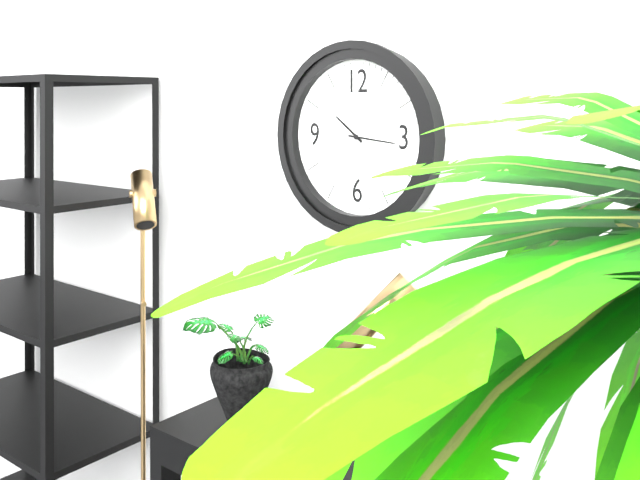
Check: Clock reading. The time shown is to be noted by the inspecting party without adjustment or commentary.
10:16
